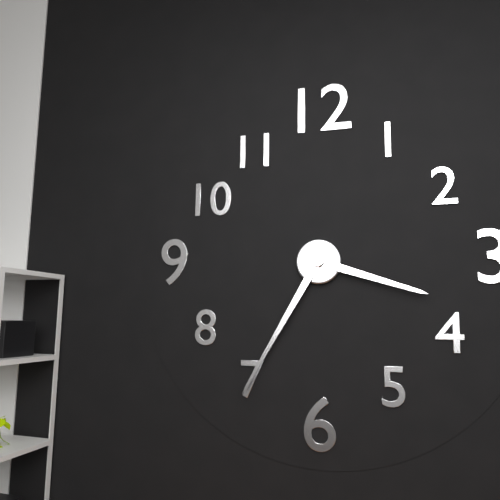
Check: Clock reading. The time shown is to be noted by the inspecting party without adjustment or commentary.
3:35
